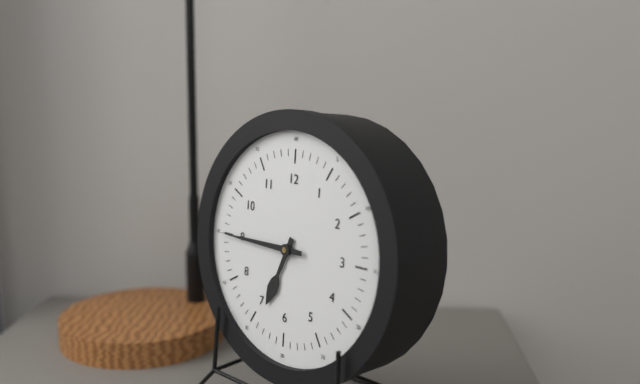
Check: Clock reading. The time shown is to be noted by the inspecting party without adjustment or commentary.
6:45
